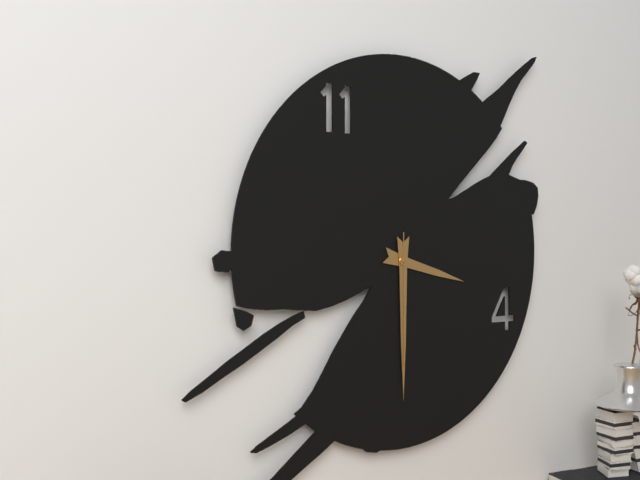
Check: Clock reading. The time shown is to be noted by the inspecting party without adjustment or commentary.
3:30:30
